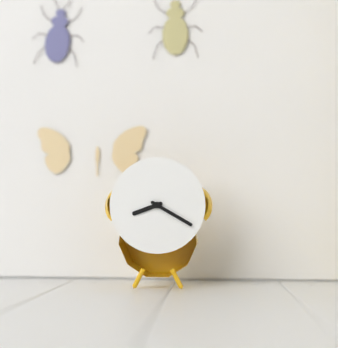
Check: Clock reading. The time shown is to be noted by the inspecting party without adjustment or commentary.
8:20
